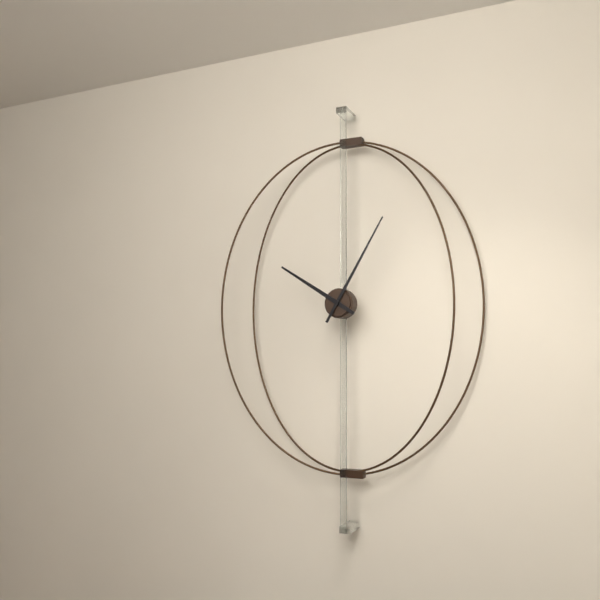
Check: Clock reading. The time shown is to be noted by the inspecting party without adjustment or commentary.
10:05
